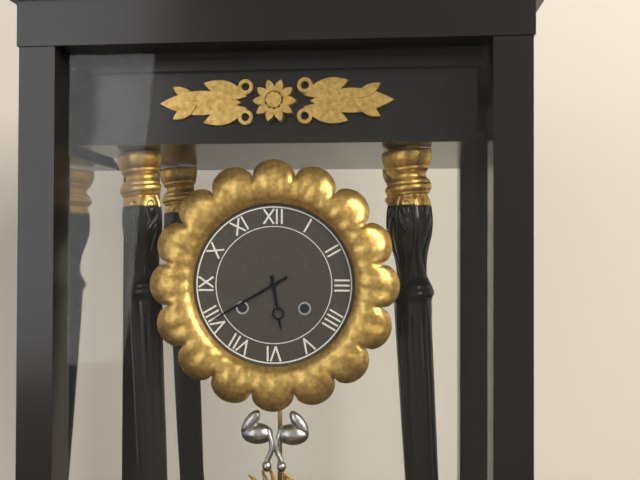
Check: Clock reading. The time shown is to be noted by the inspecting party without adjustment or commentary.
5:40
